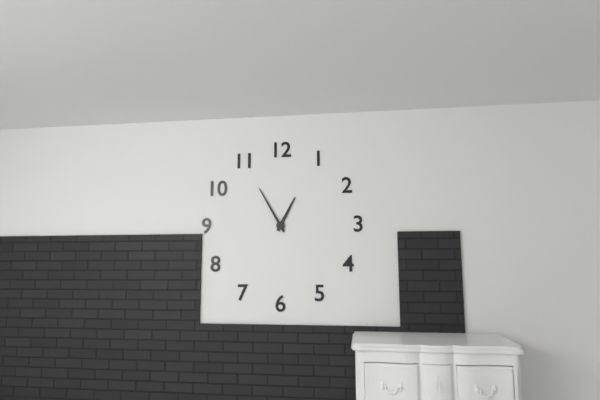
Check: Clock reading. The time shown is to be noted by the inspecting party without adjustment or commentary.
12:55
